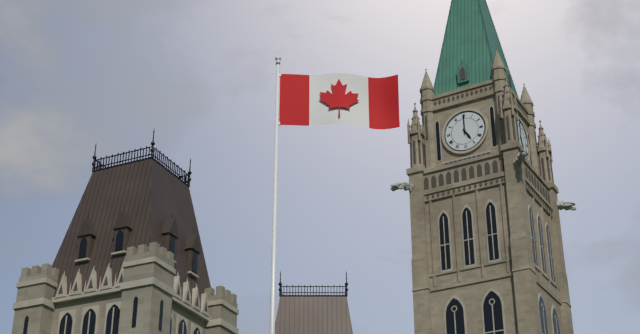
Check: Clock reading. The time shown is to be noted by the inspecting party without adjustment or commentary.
5:00
